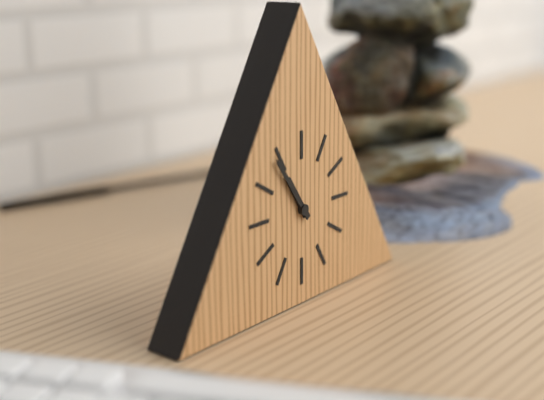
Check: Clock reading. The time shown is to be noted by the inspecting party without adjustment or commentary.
10:54
